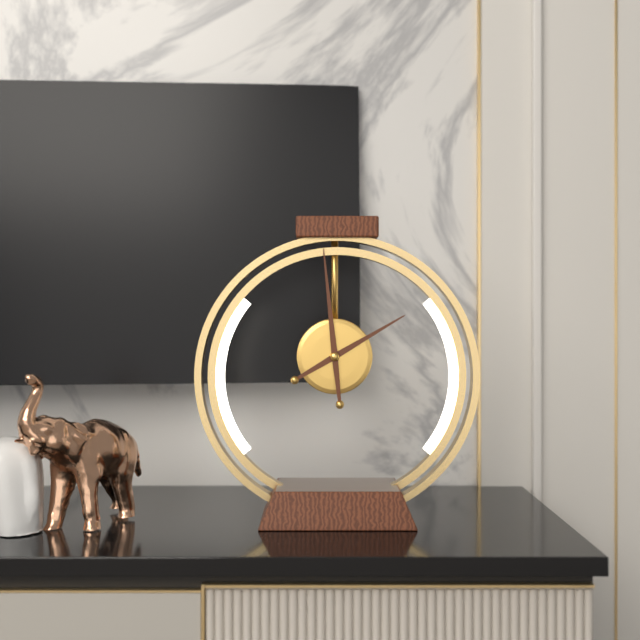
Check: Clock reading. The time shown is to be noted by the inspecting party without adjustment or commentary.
1:59
